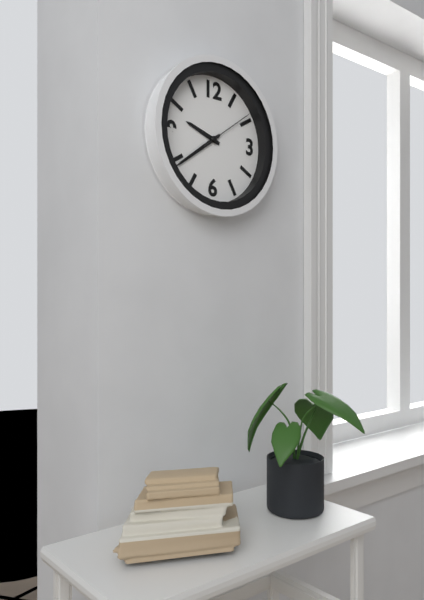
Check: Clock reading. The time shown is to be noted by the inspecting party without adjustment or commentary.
9:39:09
